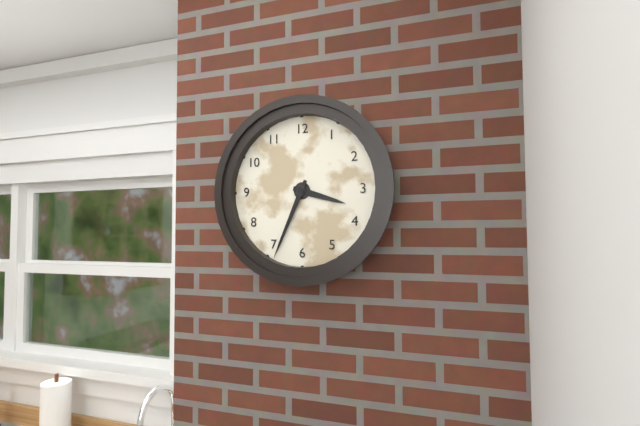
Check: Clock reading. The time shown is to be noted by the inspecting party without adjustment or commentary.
3:34
